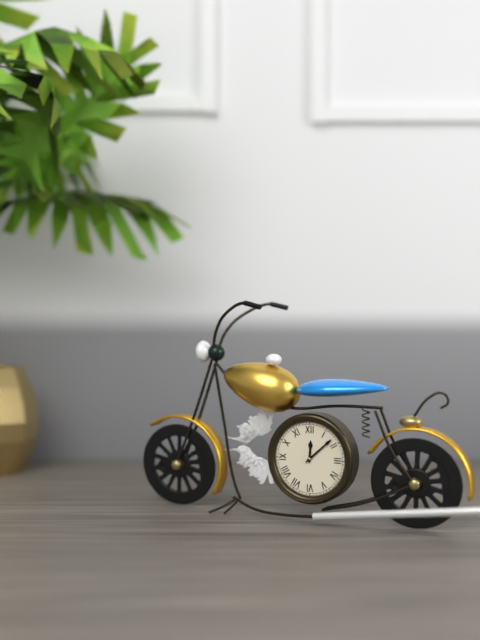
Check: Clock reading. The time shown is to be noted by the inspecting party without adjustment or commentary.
12:08
